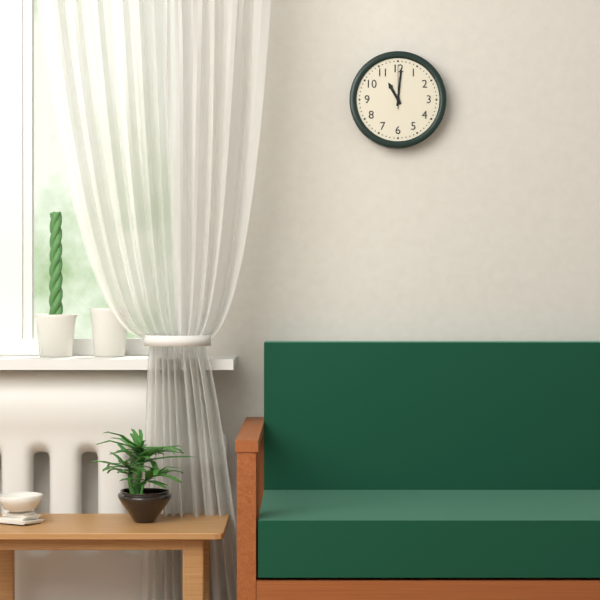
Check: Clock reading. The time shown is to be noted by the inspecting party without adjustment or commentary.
11:01
